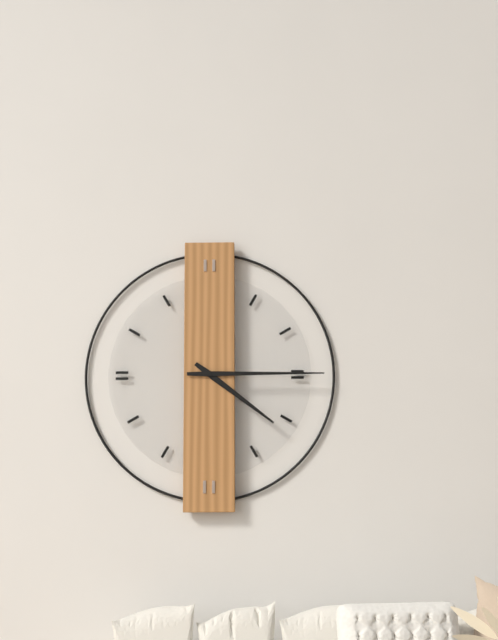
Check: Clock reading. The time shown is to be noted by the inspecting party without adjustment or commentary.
4:15
